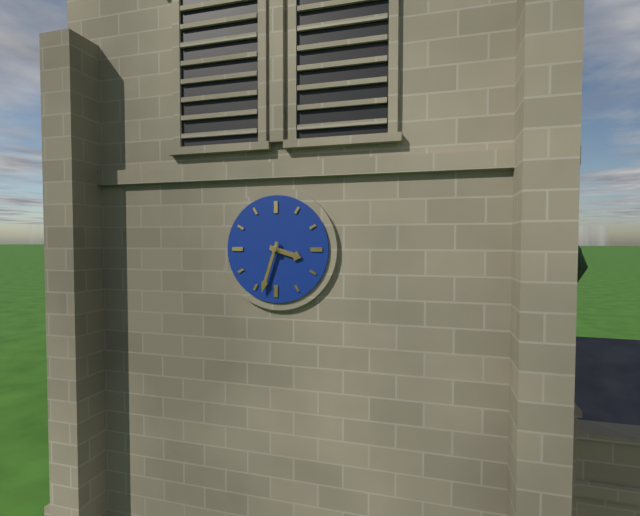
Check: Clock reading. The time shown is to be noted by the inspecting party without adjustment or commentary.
3:33
